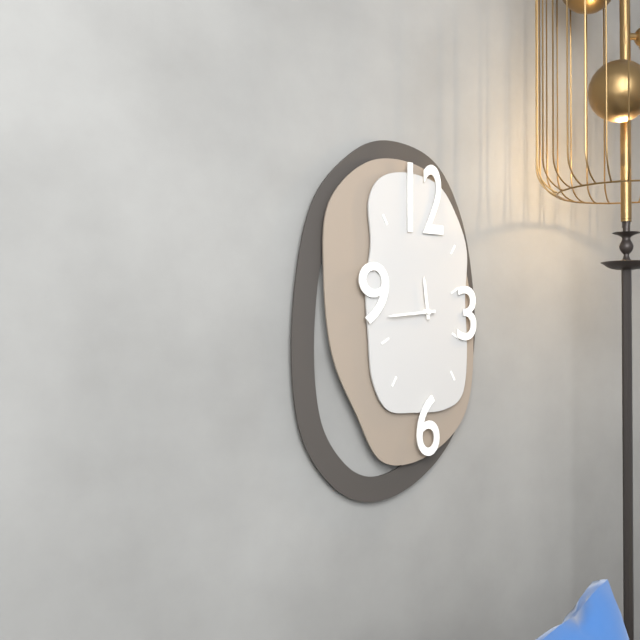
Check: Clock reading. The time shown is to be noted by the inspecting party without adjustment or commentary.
11:44
